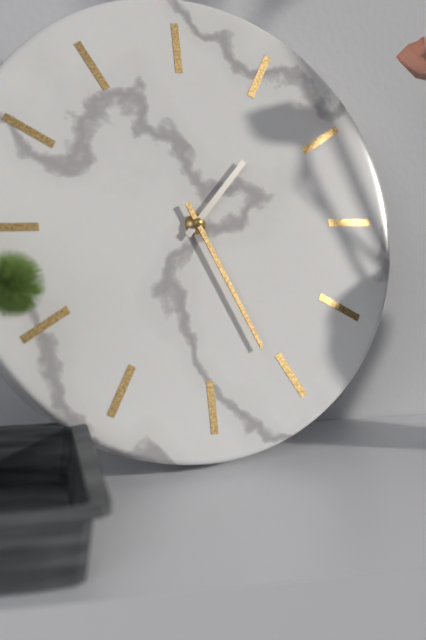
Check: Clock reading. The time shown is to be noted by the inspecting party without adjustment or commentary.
1:26
